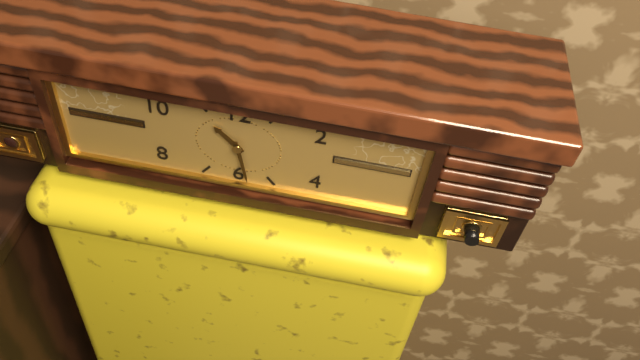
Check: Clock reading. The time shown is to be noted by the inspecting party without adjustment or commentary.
10:28
